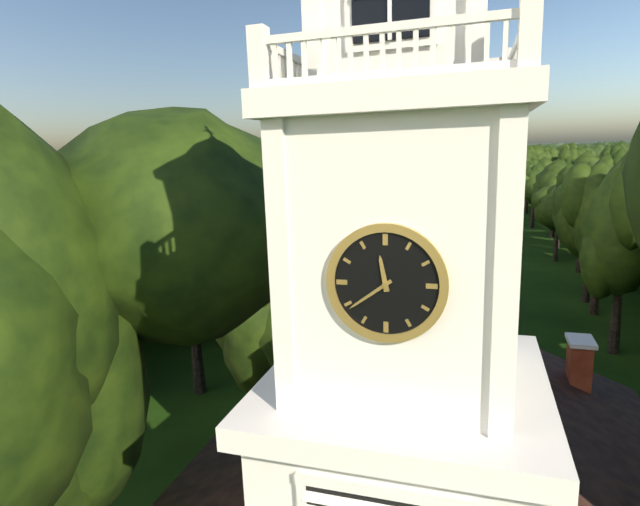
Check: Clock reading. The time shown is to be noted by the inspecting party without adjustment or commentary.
11:39
